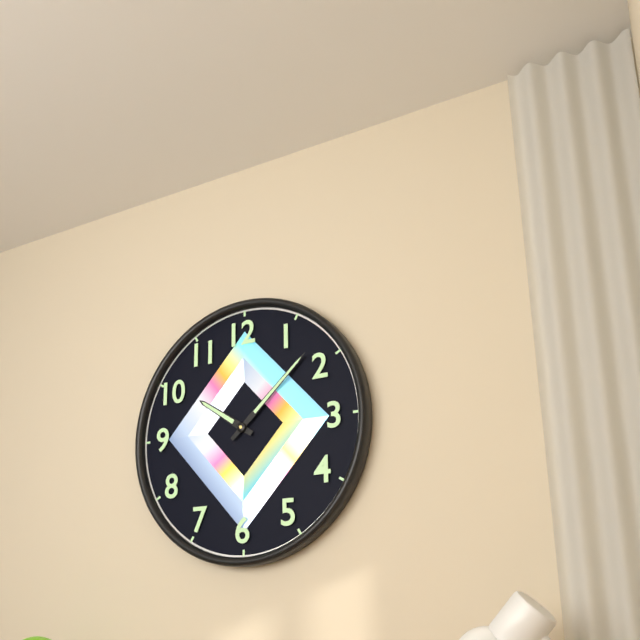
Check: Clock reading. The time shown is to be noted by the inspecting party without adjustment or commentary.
10:08
